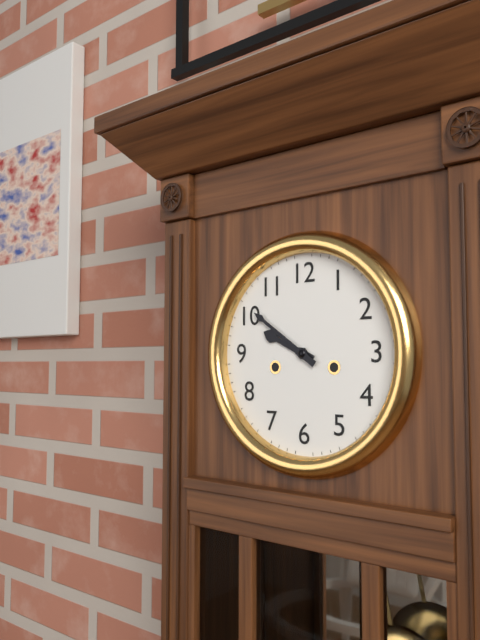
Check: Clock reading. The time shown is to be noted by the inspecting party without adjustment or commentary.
9:51
